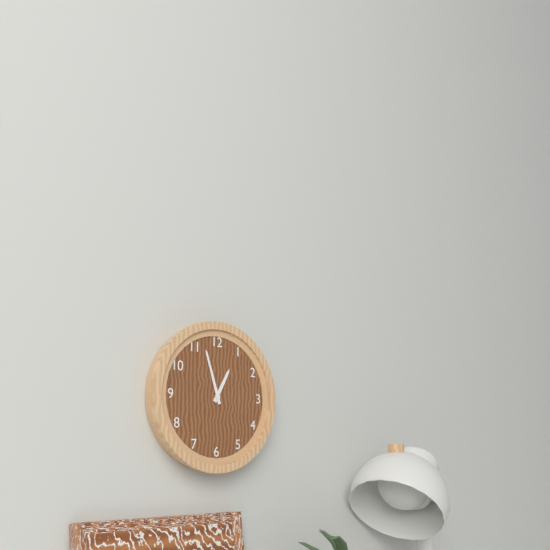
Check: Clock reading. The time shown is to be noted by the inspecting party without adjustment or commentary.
12:57
